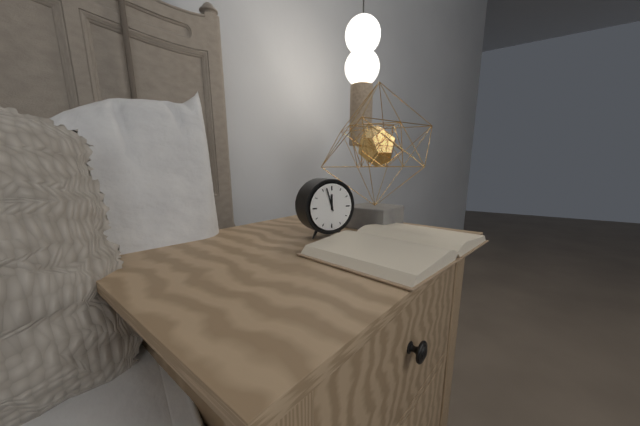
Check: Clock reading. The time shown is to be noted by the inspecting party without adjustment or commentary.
11:57
